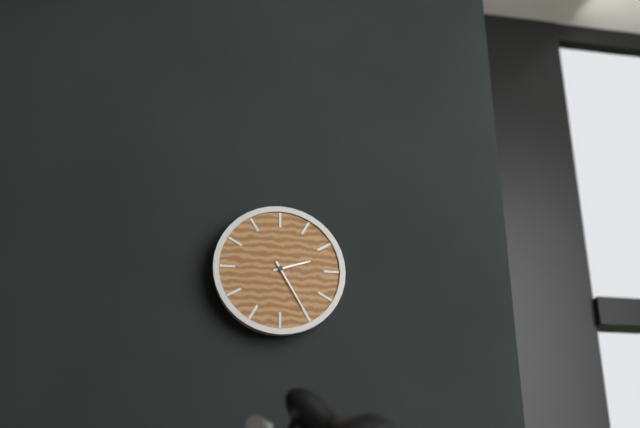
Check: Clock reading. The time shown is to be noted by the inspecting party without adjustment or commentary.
2:25
